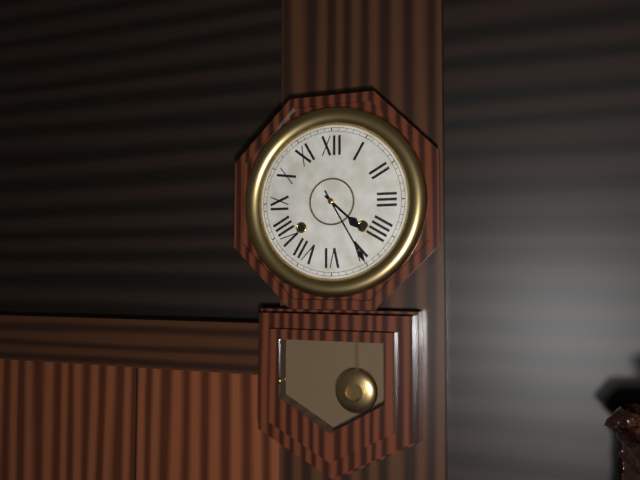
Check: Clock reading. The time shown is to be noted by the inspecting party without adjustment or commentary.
4:25
